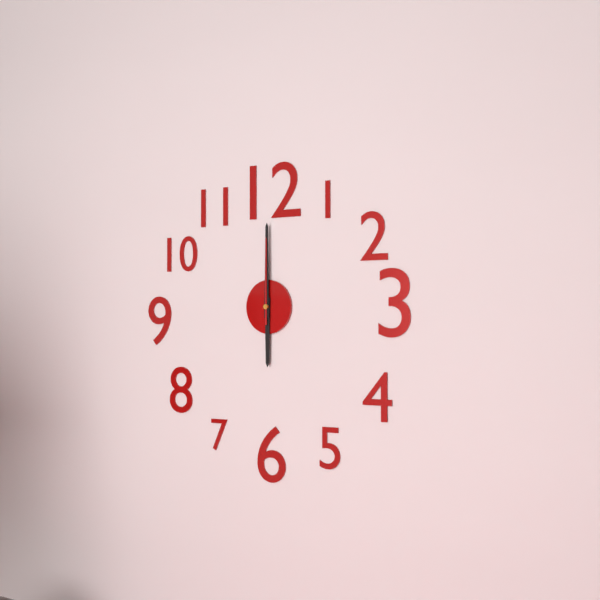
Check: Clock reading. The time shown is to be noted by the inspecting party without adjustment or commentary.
6:00:00
